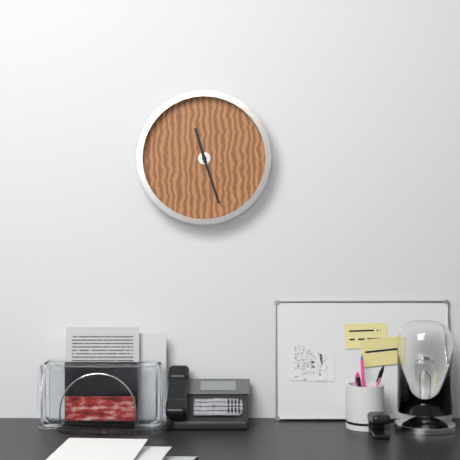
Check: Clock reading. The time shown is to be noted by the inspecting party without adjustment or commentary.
11:27
